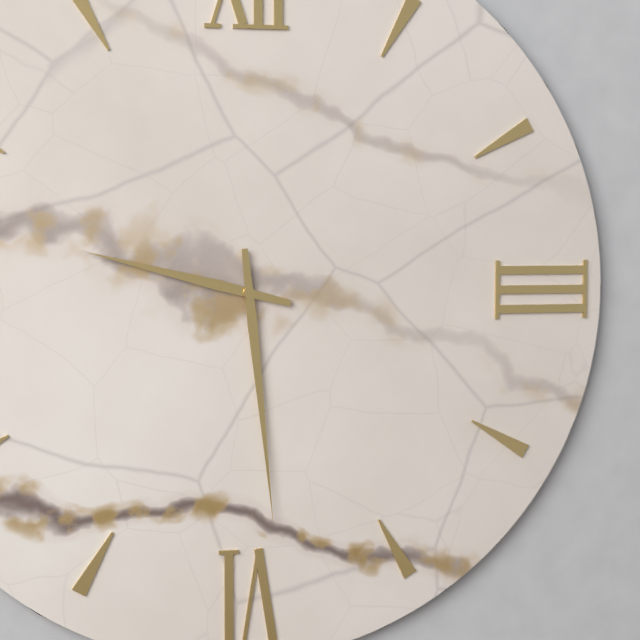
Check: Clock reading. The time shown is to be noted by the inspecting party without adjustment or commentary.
9:29
